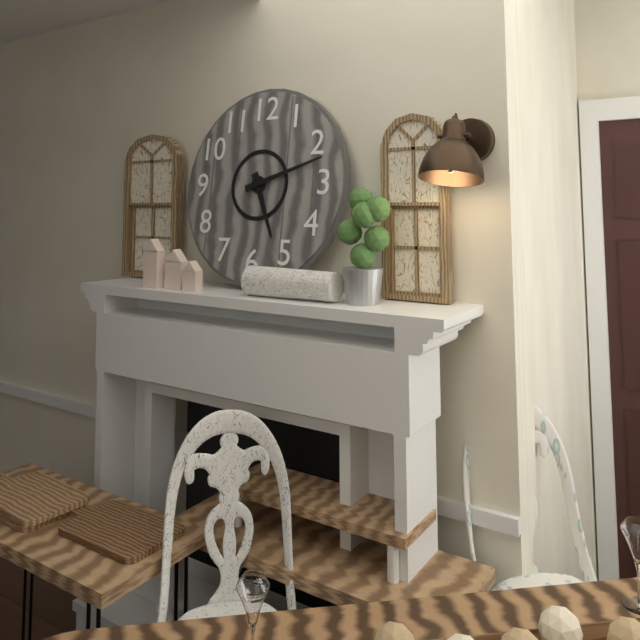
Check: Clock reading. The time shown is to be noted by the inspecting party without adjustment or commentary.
5:12
